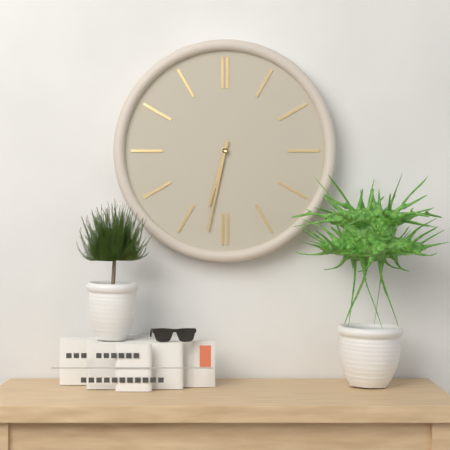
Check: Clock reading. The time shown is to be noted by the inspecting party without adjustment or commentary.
6:32
